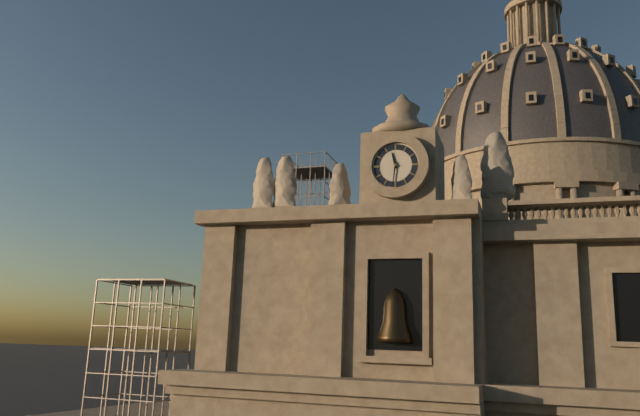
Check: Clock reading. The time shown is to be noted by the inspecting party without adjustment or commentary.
11:31
